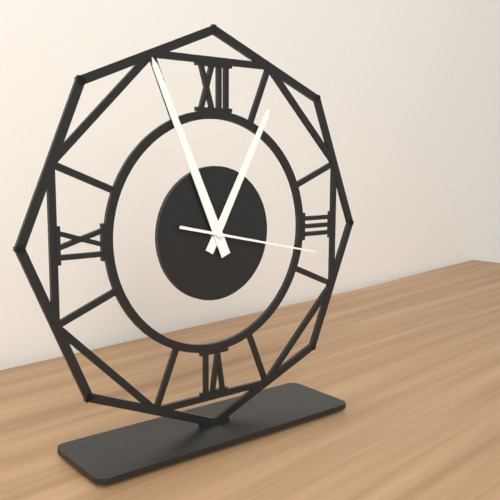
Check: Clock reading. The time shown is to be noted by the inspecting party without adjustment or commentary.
12:56:17
